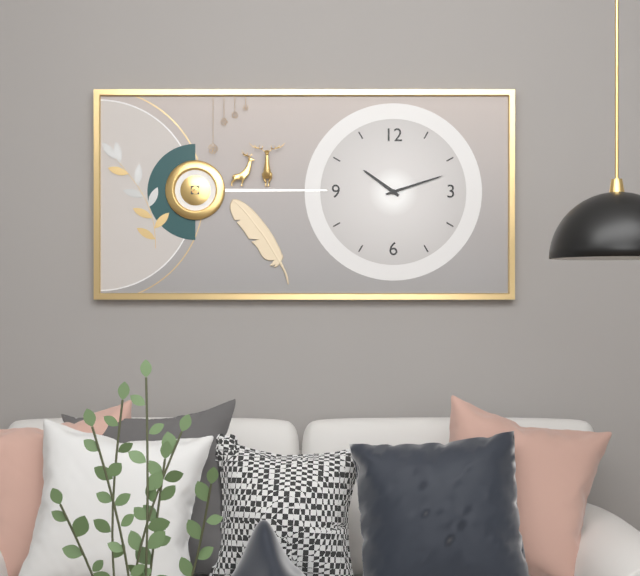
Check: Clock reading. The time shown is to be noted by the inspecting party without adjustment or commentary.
10:12
